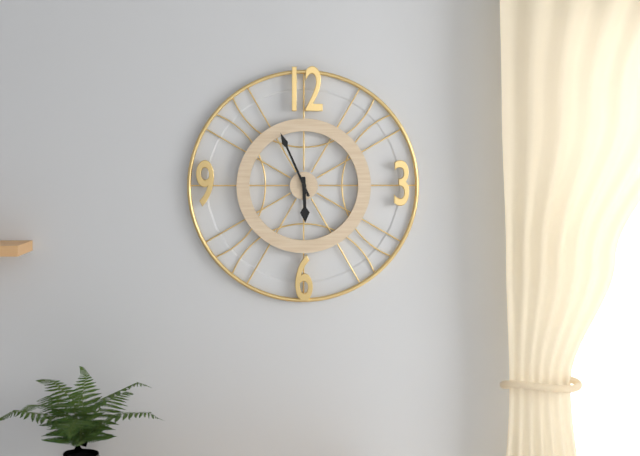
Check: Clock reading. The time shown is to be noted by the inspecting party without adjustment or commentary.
5:56
